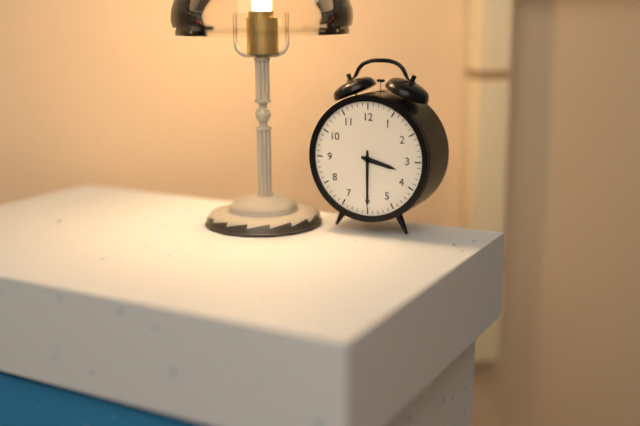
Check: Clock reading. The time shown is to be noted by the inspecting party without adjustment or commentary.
3:30
